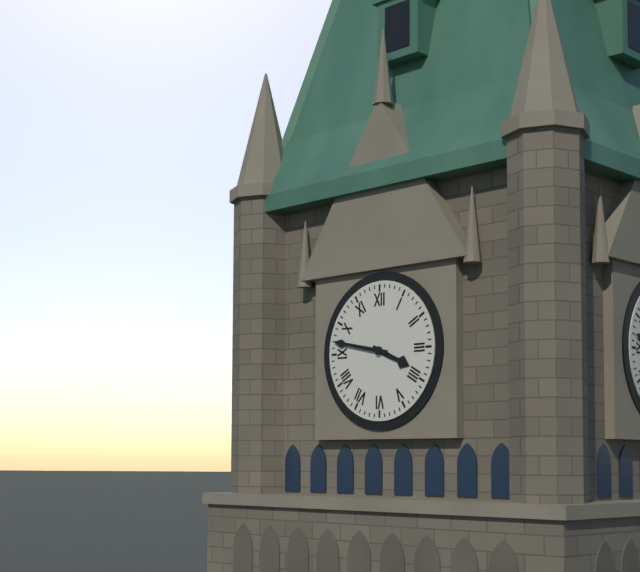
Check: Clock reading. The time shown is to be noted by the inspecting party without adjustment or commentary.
3:47
